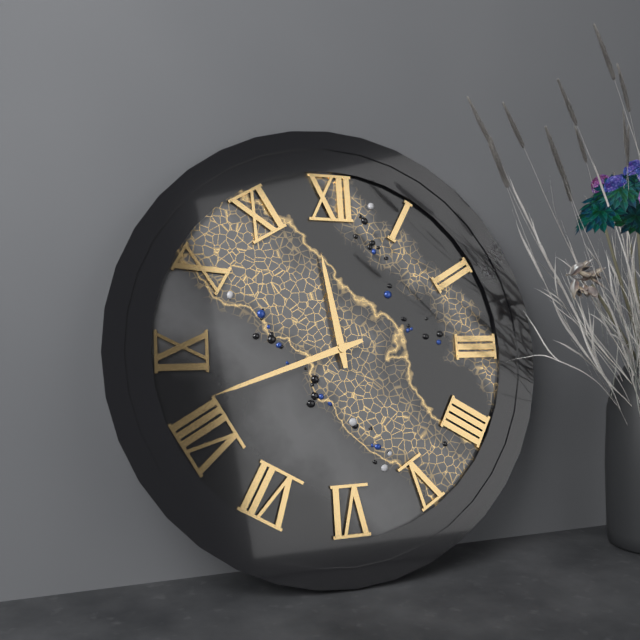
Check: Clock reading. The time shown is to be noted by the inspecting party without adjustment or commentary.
11:42
